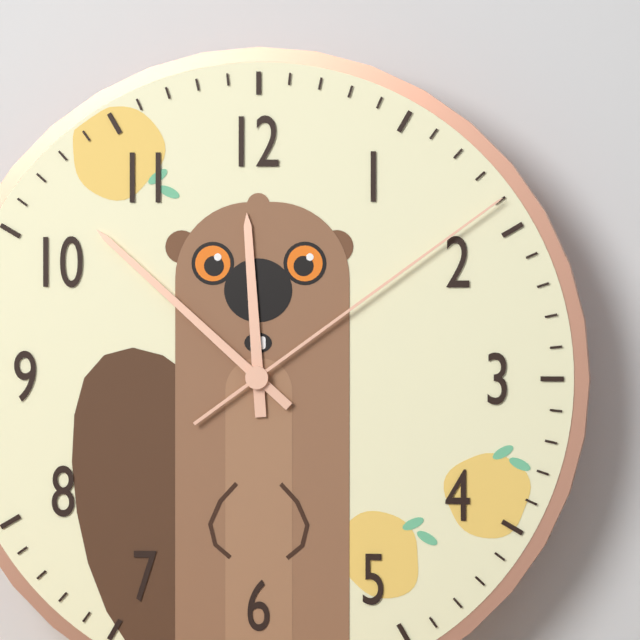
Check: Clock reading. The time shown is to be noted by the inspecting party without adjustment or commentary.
11:52:09
